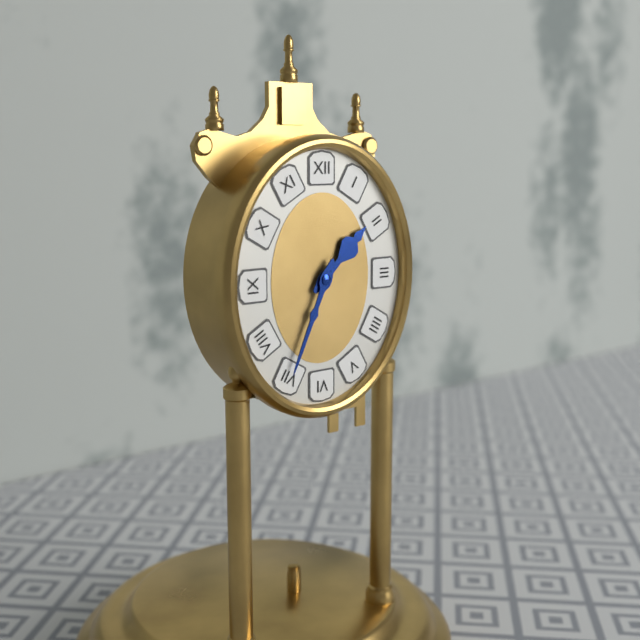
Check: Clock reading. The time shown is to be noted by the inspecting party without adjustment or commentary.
1:34
